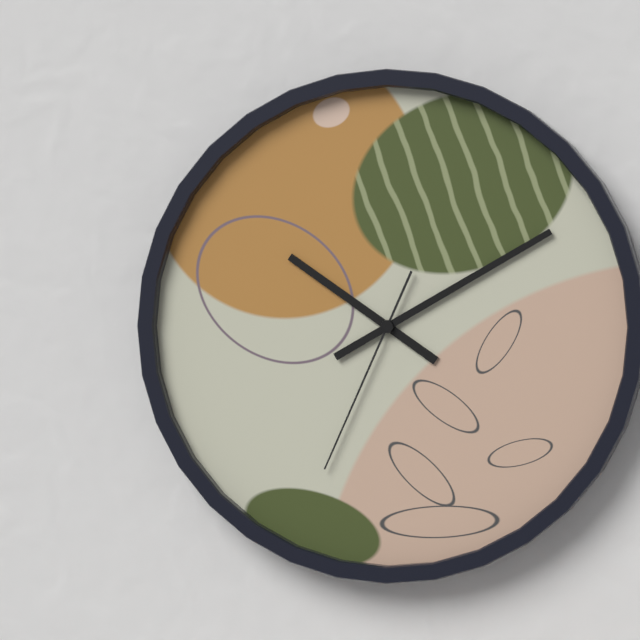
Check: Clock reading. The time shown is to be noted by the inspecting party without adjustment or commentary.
10:10:34
